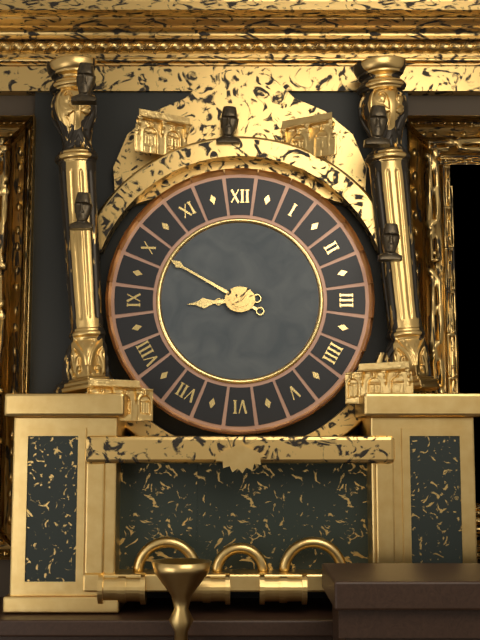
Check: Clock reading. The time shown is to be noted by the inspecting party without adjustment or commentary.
8:50
